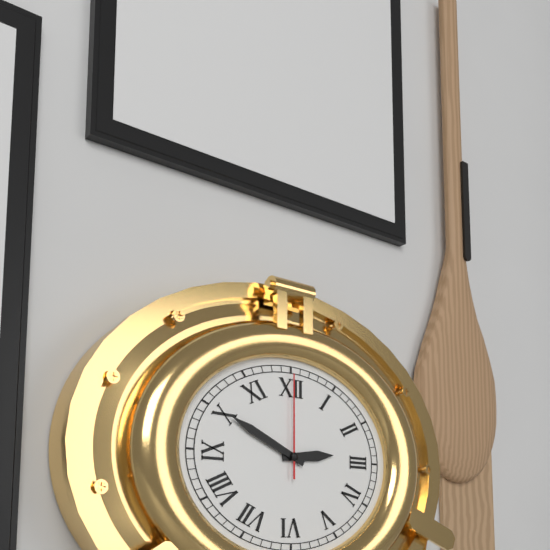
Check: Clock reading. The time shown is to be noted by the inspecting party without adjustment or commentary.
2:49:00
